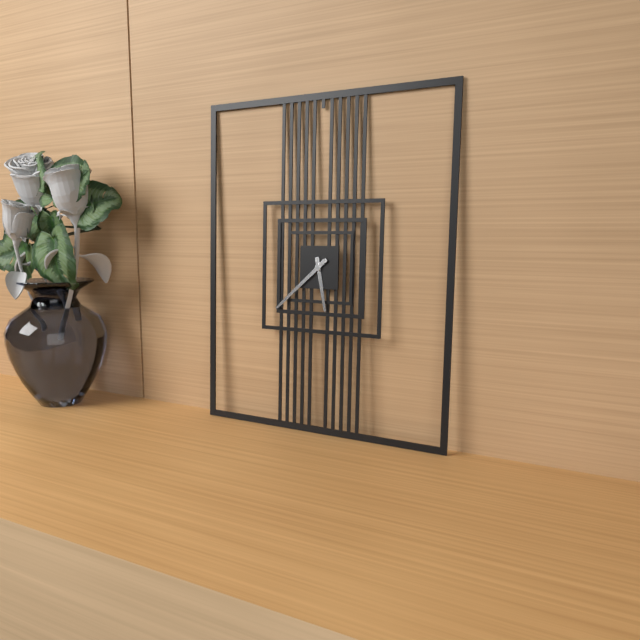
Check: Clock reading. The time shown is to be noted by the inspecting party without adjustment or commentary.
5:38
